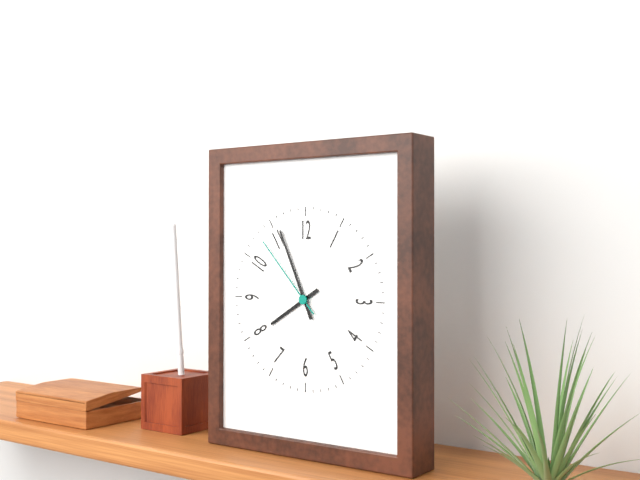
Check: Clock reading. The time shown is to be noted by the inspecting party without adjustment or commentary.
7:56:53
